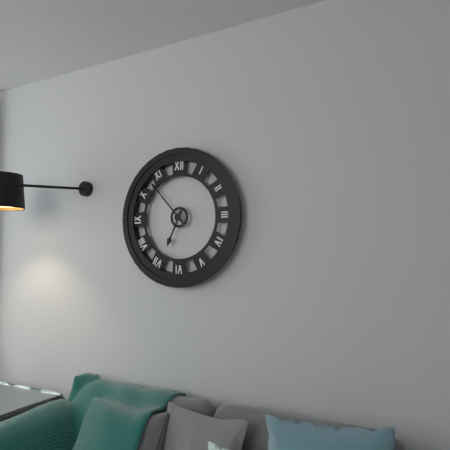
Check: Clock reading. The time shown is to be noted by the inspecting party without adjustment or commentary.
6:53
